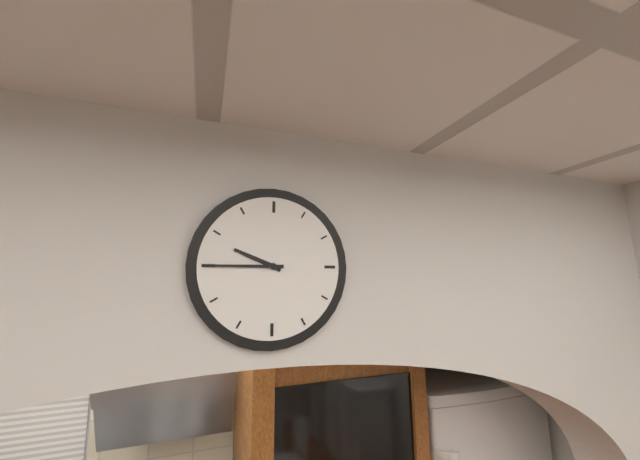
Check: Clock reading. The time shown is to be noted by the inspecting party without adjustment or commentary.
9:45
